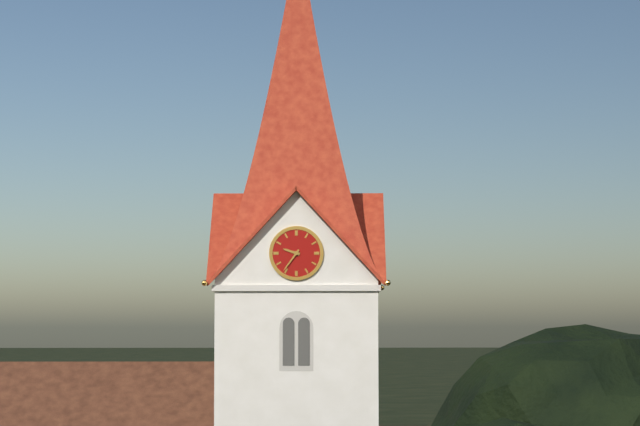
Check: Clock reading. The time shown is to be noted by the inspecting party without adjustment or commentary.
9:36
